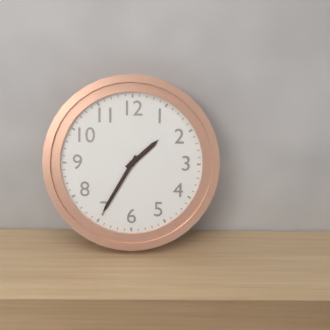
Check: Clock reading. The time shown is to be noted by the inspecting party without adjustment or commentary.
1:35
